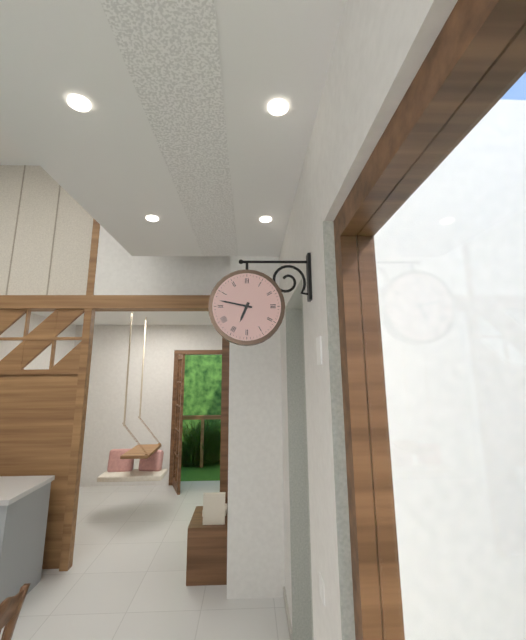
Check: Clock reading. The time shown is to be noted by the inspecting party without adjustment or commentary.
6:47
